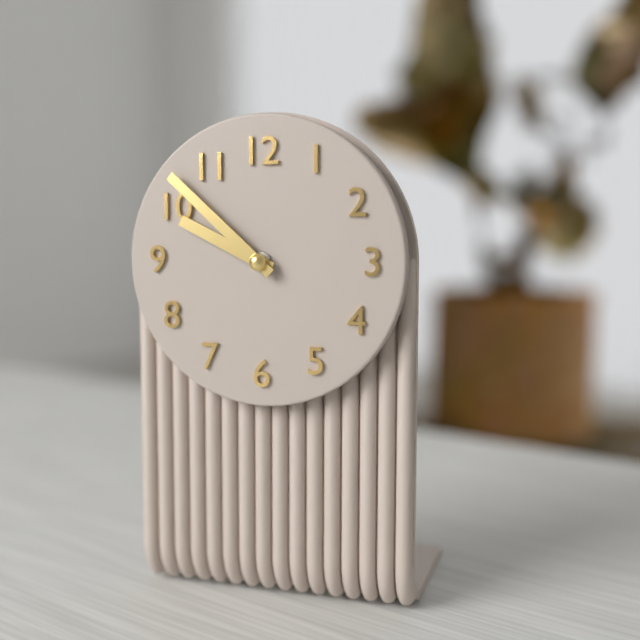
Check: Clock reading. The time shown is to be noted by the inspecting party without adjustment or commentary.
9:52
